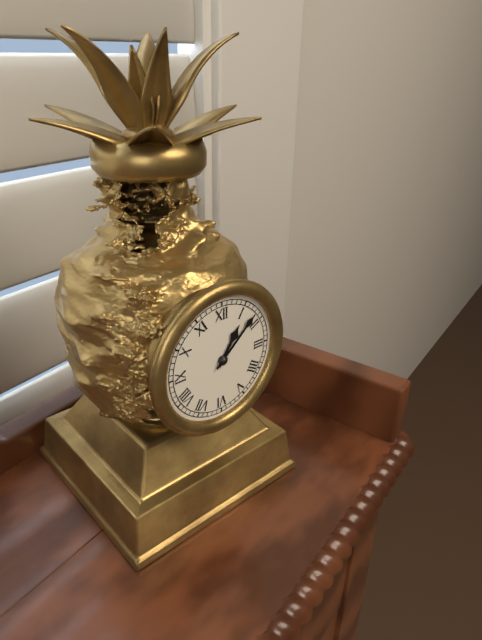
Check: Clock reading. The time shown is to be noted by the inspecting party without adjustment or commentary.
1:08
